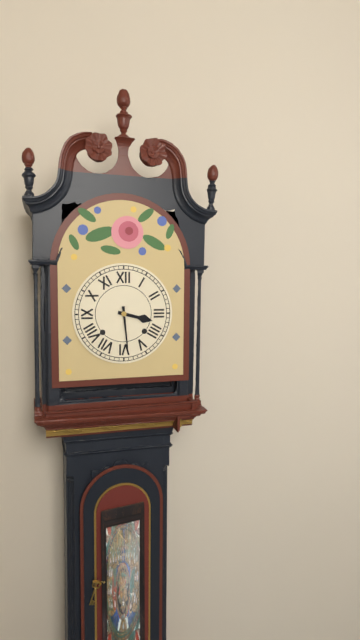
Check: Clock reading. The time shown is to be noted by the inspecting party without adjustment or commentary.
3:29
